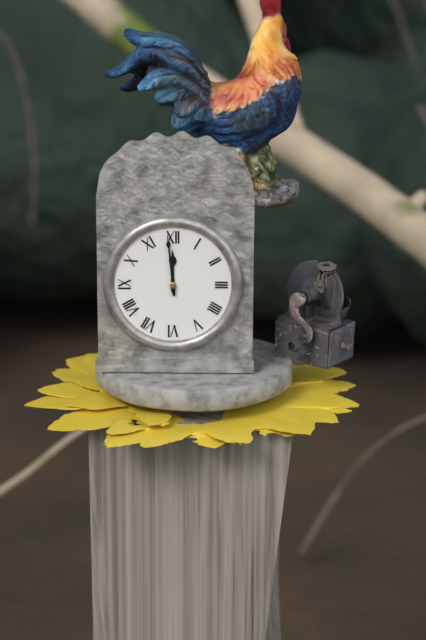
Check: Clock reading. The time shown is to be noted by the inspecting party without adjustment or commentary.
11:59
